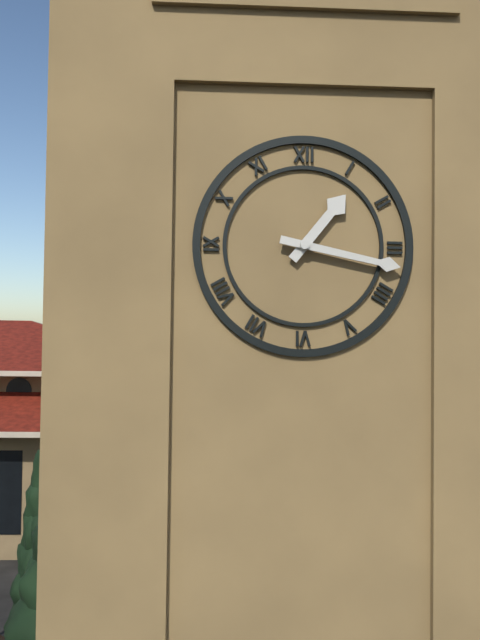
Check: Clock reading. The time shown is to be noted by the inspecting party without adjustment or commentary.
1:17
